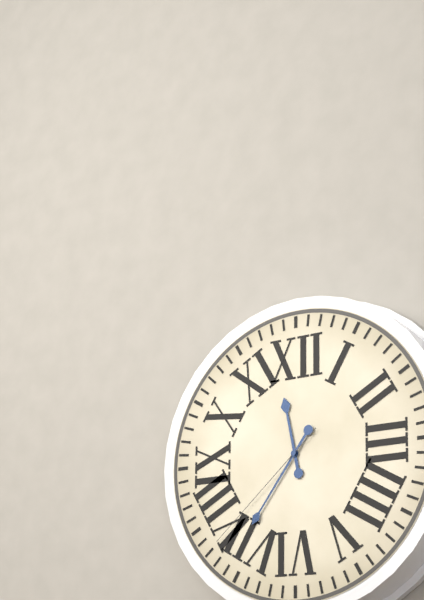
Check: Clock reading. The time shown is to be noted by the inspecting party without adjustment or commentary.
11:36:38
